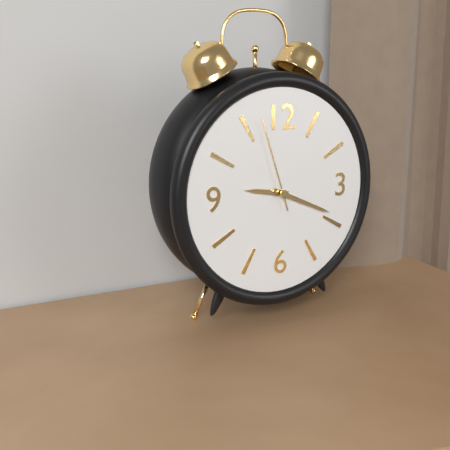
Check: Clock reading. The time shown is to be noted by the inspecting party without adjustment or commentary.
9:19:57
